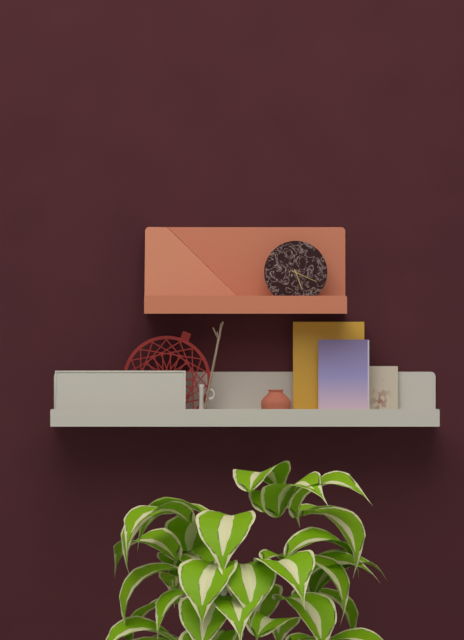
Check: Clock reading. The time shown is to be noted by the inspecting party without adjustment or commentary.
5:19
